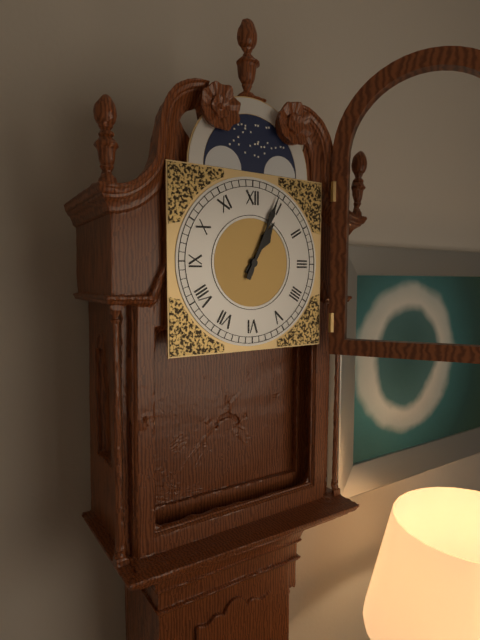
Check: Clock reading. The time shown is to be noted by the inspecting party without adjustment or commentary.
1:04
